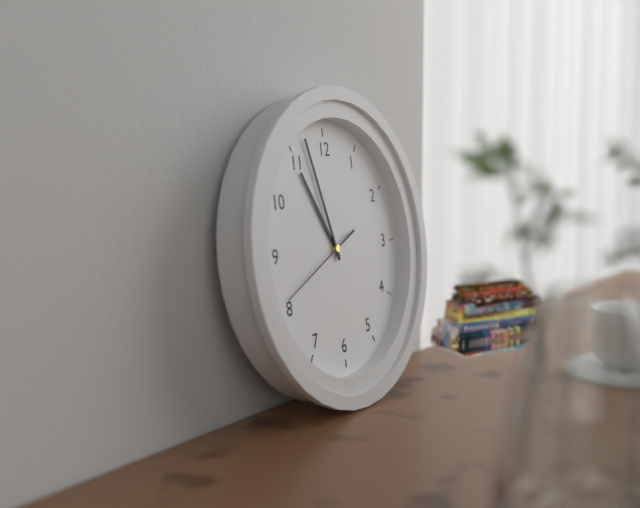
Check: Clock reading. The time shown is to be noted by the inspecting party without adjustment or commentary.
10:57:41
